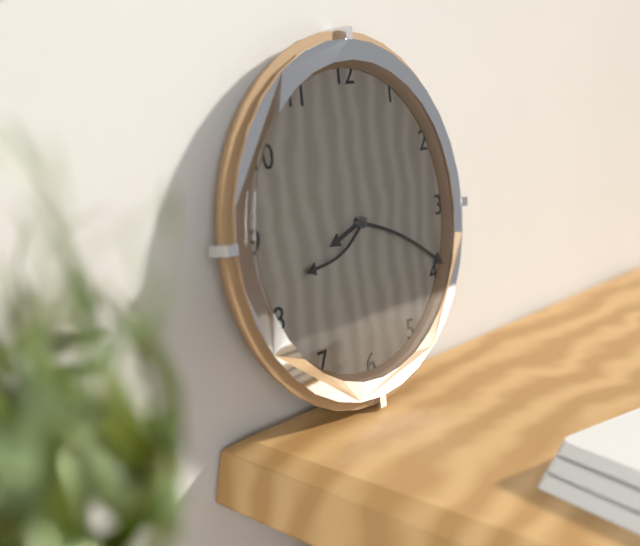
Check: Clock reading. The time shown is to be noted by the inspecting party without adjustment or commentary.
8:19:41
